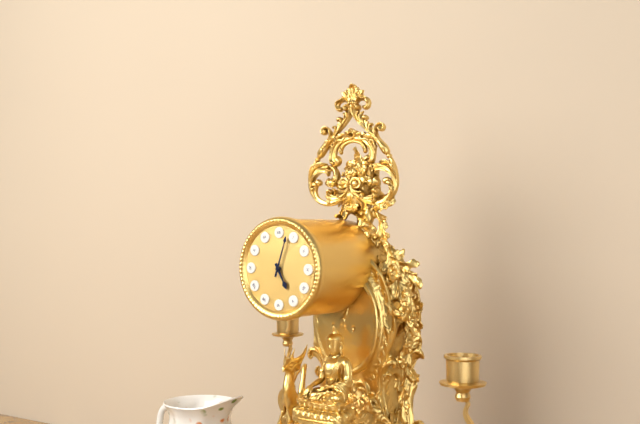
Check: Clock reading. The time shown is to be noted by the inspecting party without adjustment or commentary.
5:03
